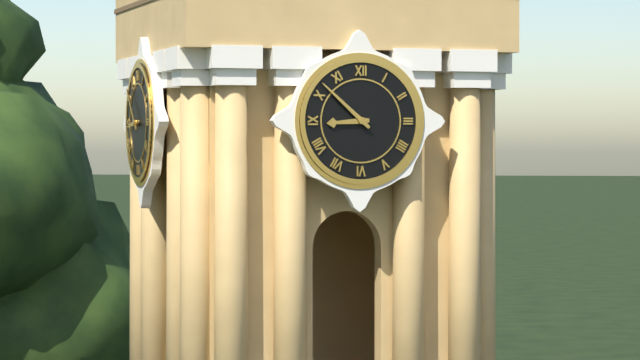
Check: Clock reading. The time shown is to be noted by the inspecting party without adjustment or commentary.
8:52
